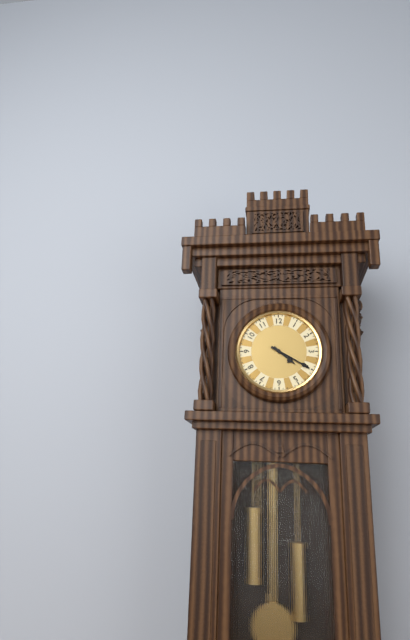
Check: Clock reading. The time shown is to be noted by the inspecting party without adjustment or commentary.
4:20
